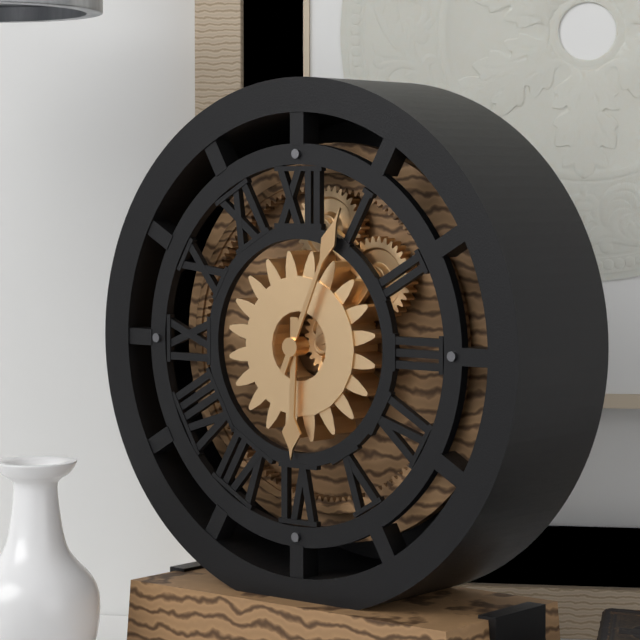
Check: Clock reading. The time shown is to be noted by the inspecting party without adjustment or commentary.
6:04
